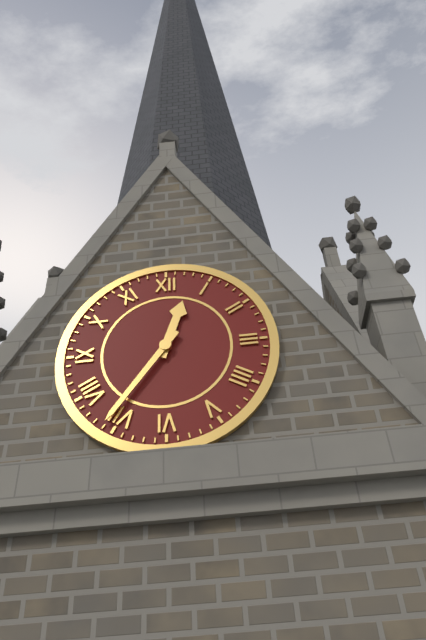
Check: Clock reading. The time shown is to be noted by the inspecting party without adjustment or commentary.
12:36
